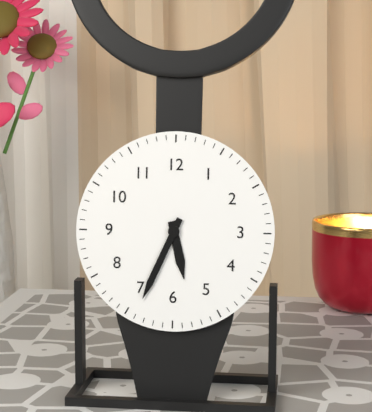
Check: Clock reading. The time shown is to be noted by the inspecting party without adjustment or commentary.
5:34
